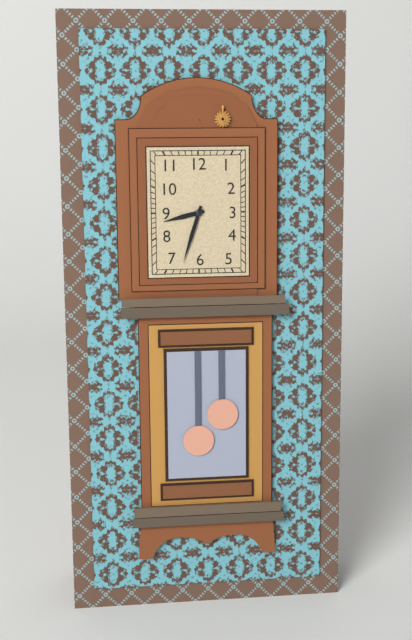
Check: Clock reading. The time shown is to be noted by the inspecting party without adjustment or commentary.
8:33
